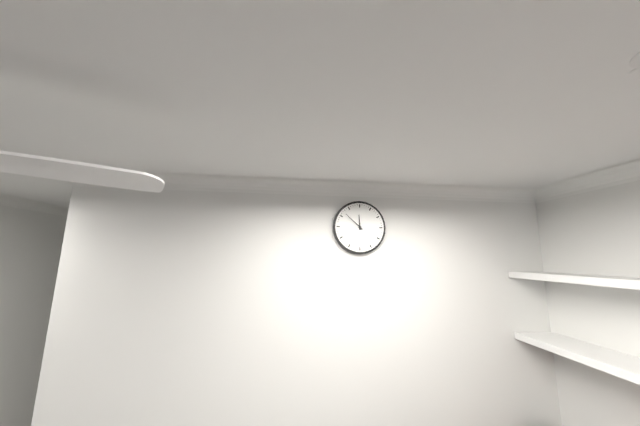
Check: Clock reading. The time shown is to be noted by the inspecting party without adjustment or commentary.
11:52
